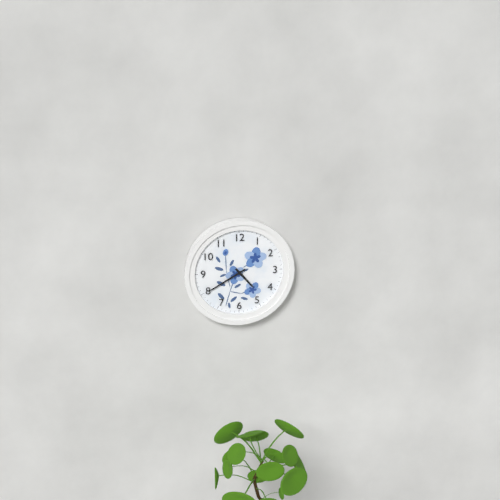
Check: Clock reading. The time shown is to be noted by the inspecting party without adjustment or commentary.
4:40
